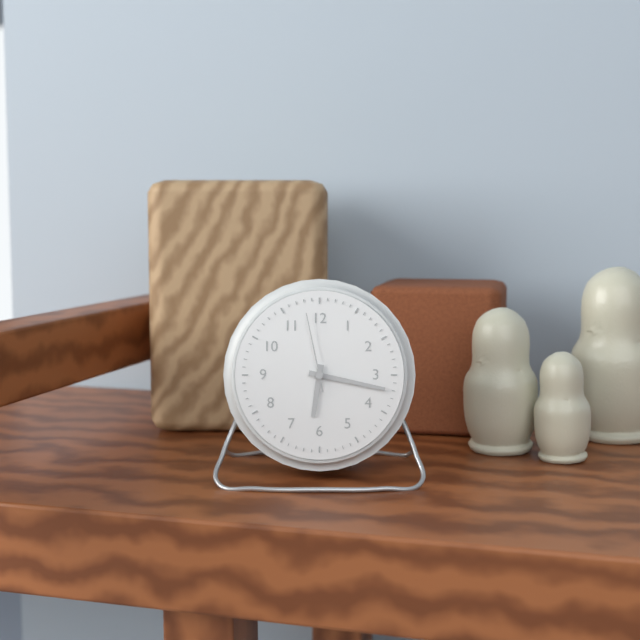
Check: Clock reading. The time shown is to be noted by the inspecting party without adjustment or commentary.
6:17:58
